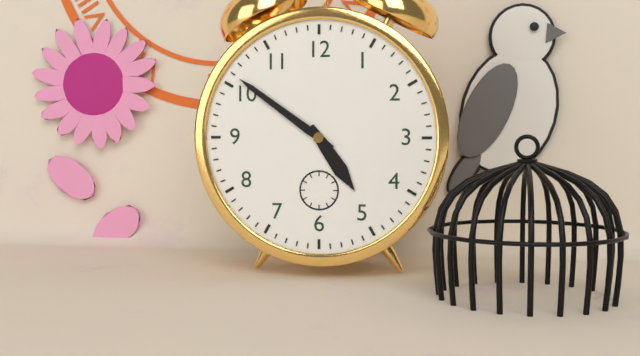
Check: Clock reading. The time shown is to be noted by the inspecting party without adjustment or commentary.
4:51
